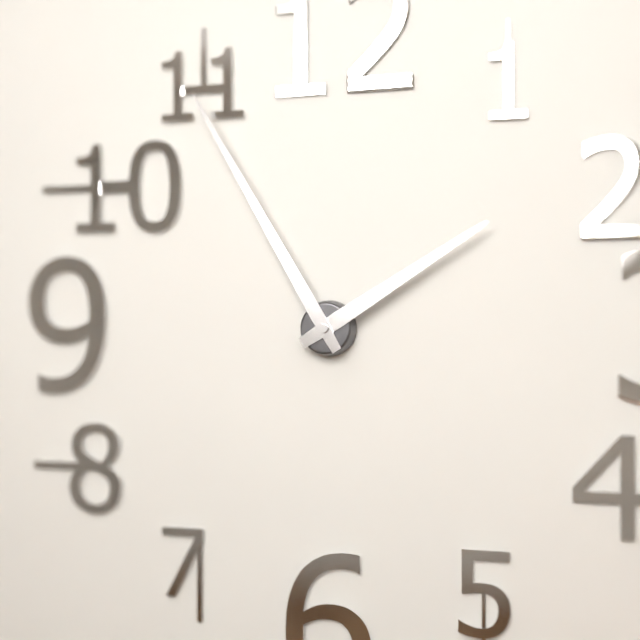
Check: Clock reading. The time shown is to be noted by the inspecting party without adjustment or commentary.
1:55
